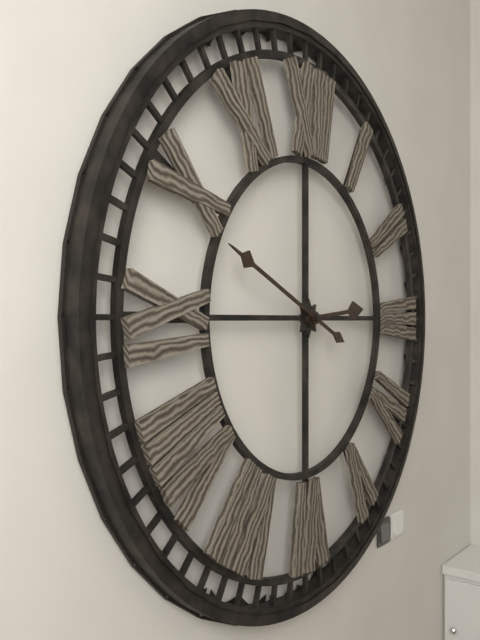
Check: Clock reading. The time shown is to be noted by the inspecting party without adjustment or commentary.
2:49
